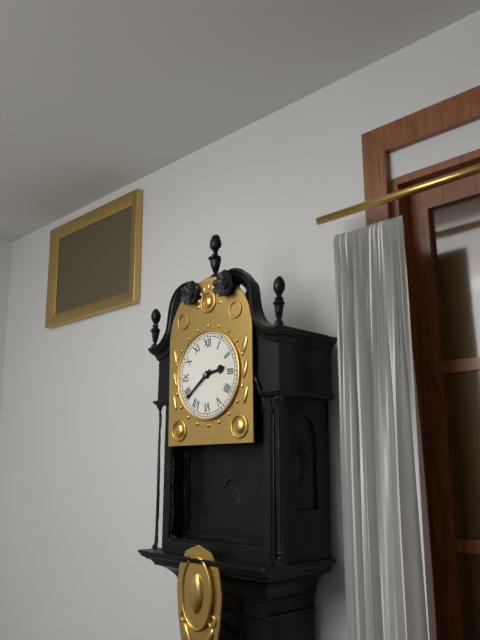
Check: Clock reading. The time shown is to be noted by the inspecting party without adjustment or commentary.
2:39
